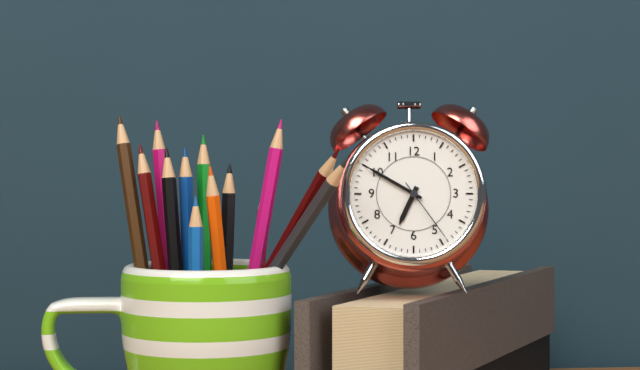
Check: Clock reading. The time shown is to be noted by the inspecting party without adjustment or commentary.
6:50:24
